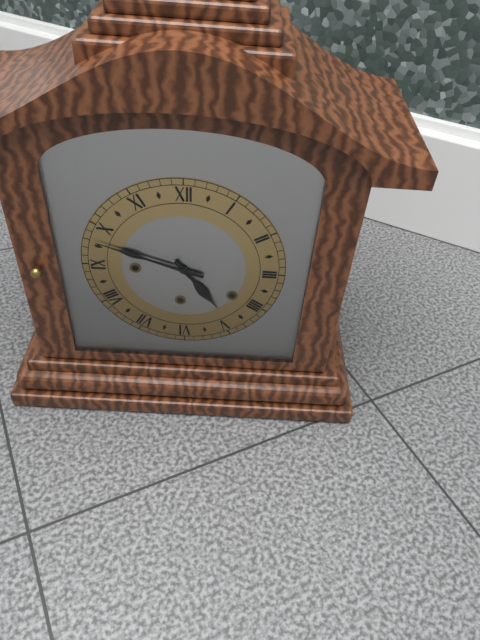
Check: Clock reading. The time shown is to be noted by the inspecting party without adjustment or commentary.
4:48
